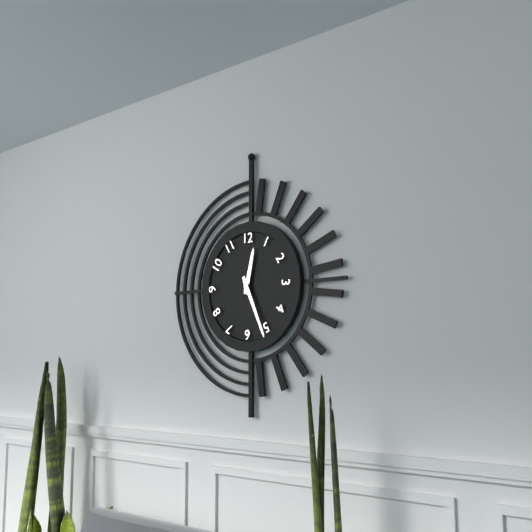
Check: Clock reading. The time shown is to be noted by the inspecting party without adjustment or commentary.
12:26
